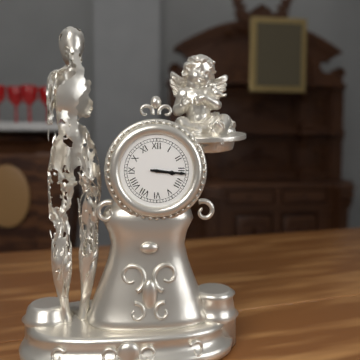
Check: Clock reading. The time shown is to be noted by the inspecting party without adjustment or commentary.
3:16
